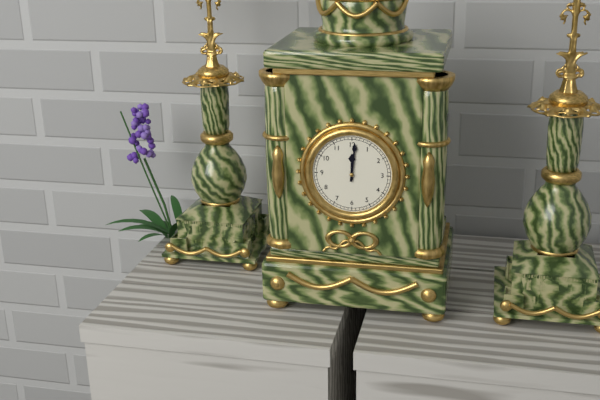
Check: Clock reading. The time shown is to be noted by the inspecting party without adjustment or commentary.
12:01
